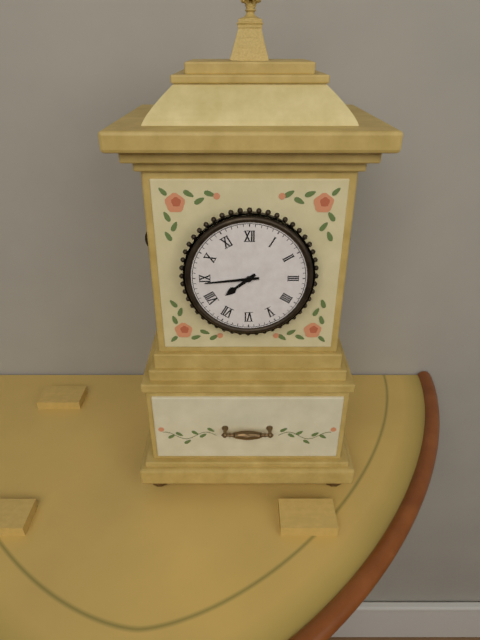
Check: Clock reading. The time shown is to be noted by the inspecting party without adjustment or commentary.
7:44
